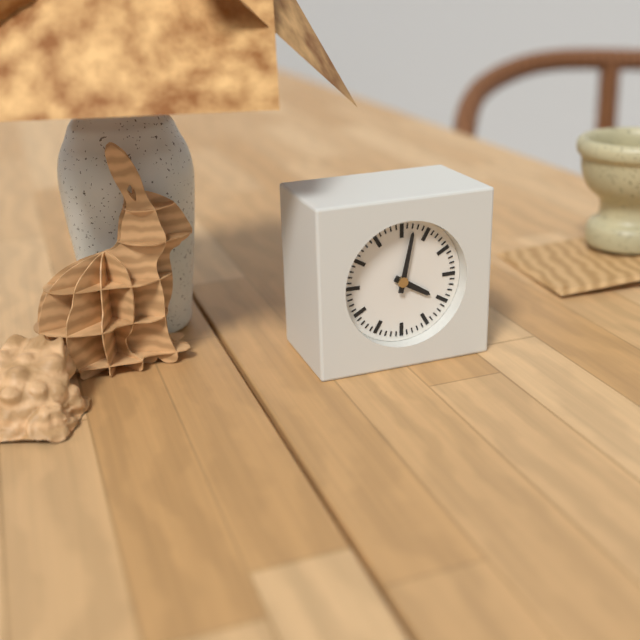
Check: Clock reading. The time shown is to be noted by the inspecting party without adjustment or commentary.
4:02
